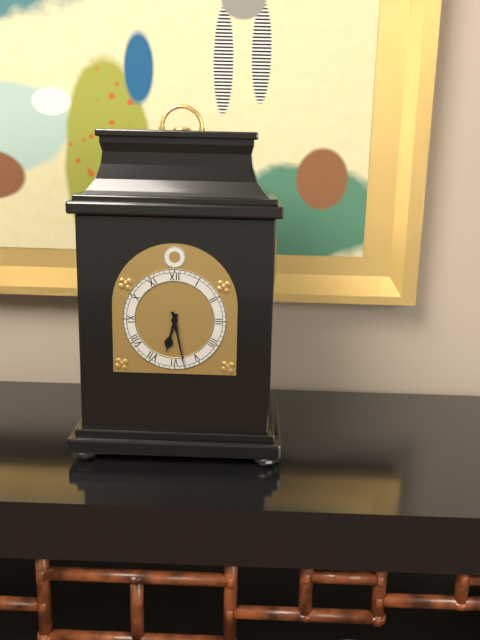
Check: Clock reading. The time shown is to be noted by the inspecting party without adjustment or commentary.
6:28
